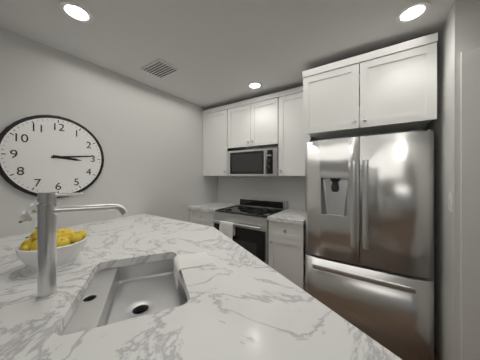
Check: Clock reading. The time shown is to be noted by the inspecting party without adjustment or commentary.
3:14
